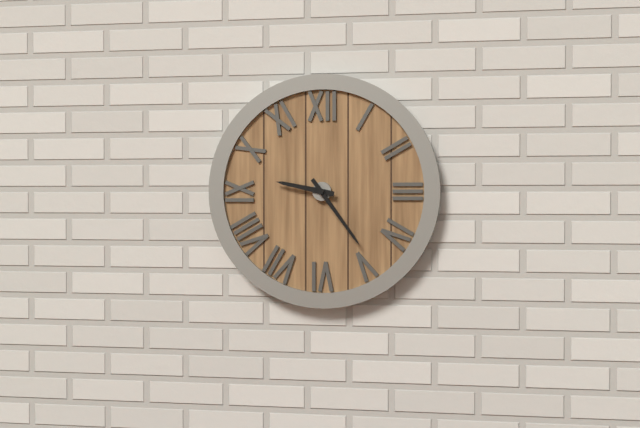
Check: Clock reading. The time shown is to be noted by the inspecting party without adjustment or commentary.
9:24
